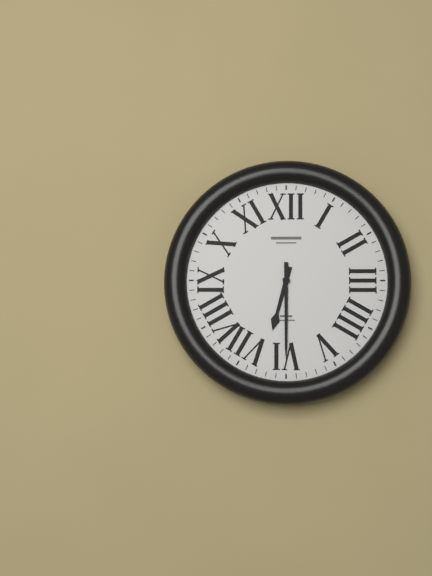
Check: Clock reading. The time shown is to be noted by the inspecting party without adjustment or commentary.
6:30
